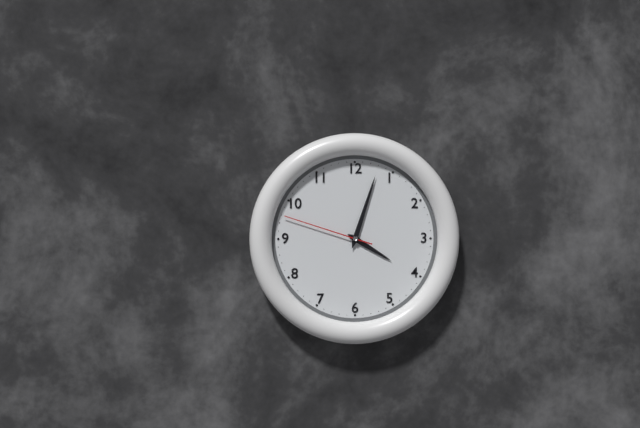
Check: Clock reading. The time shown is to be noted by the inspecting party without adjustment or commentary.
4:03:48
